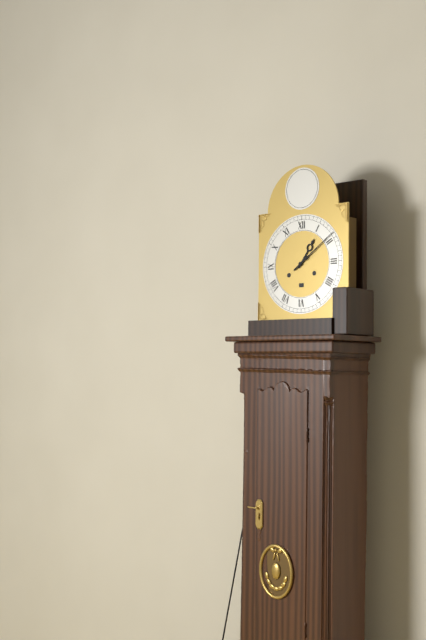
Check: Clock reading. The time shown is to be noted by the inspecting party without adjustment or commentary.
1:09
